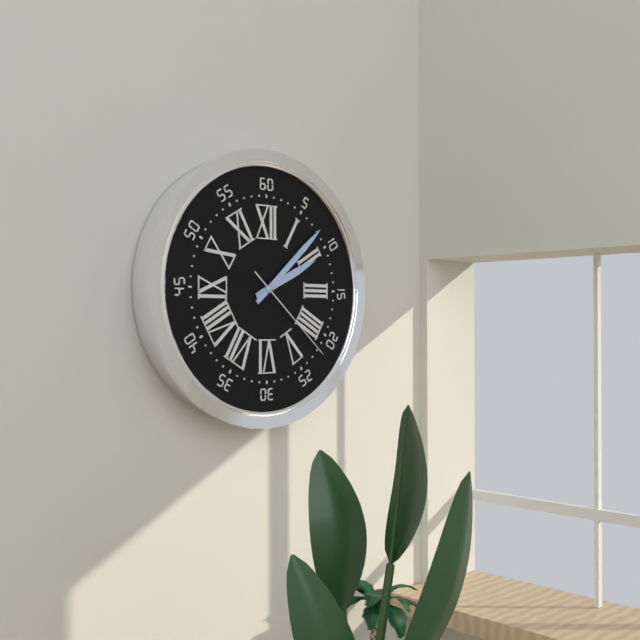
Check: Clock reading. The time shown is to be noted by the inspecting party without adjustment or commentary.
2:08:22
